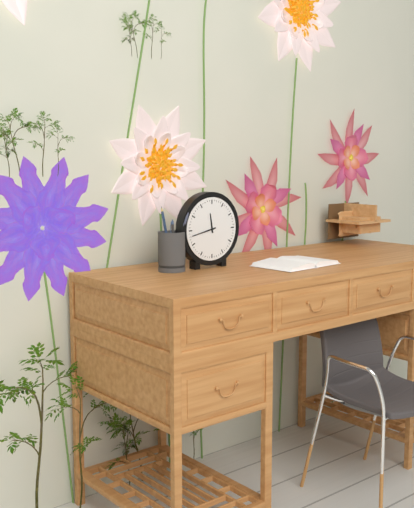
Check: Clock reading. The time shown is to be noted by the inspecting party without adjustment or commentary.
11:43
